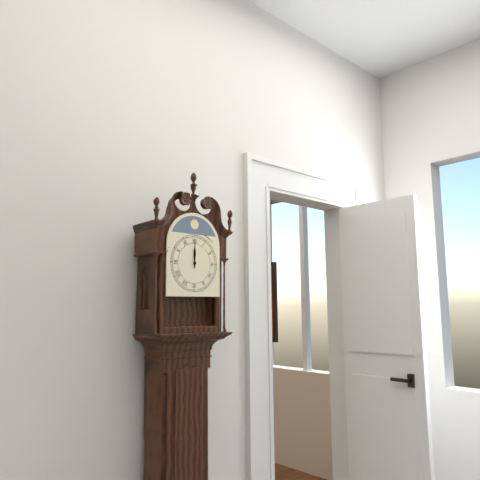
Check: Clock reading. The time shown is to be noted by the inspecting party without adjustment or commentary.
12:00
